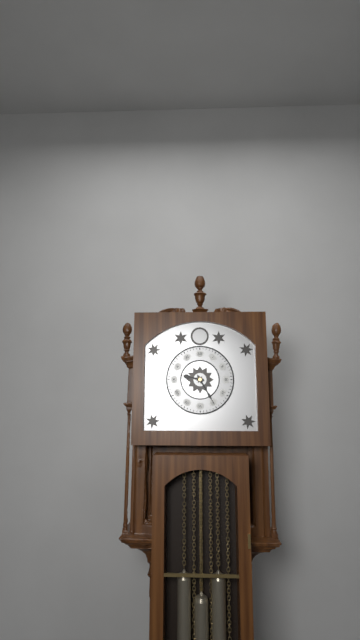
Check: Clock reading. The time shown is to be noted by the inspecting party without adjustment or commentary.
9:25
